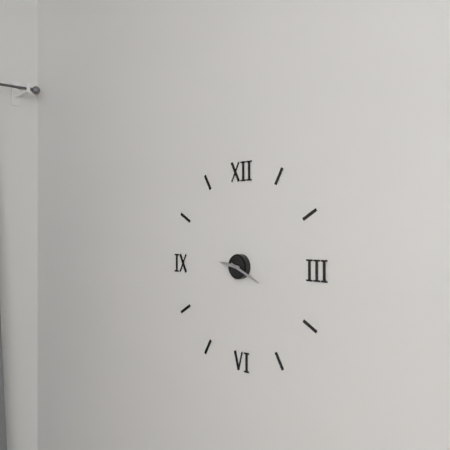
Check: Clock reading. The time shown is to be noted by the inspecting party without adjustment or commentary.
9:19
